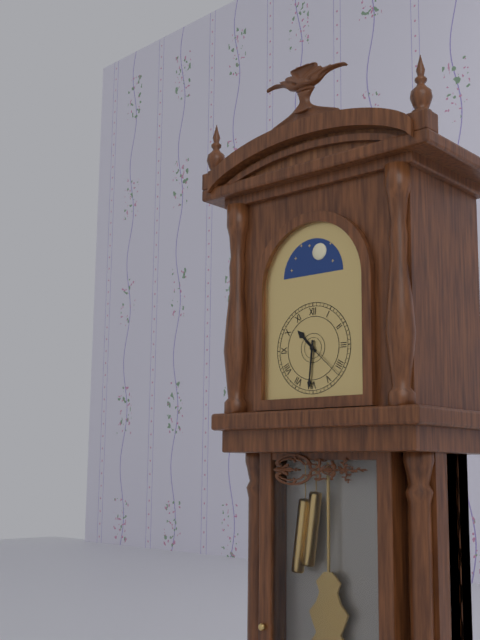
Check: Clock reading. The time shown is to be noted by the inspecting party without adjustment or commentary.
10:31
